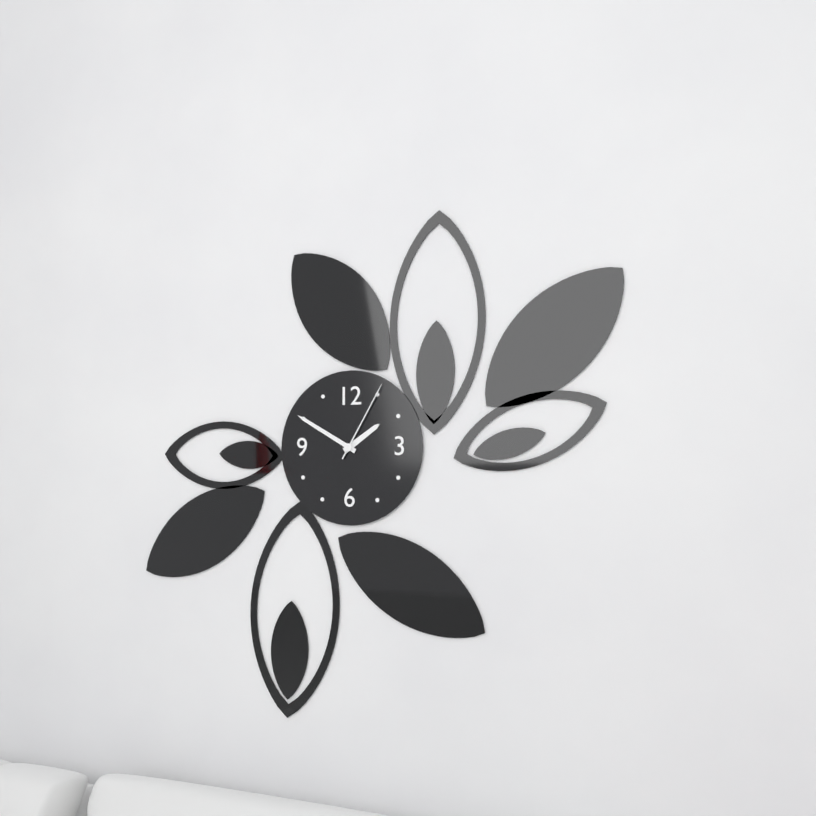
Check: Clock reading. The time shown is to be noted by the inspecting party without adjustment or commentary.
1:50:05
